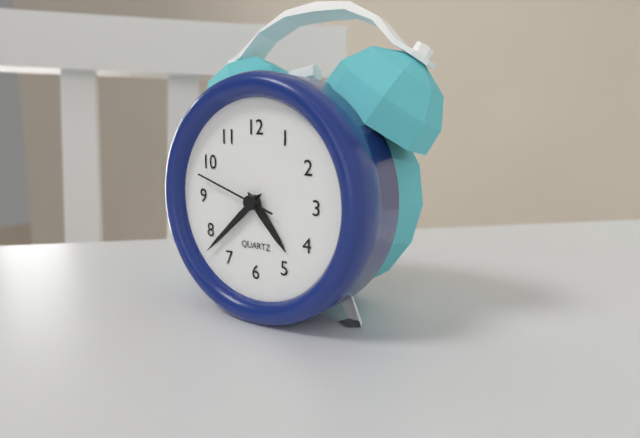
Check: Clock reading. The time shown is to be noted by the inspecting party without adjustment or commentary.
4:38:48
